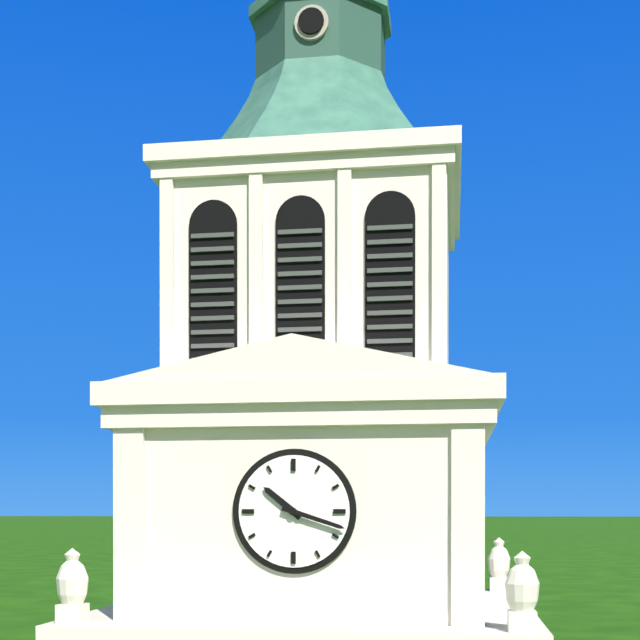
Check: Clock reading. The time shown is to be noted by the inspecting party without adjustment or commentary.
10:18
